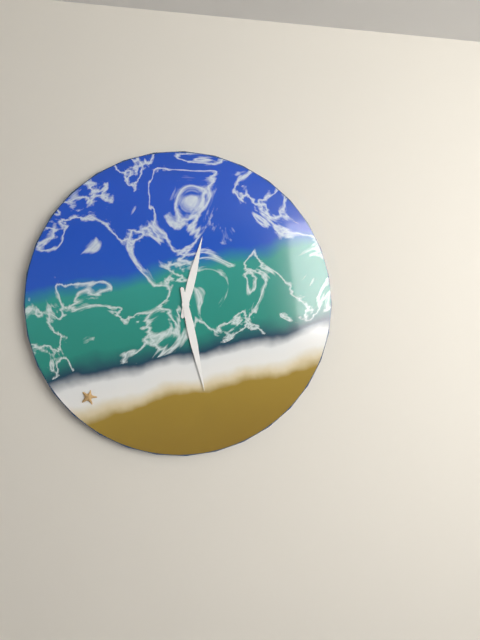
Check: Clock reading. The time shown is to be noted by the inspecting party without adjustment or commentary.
12:28
